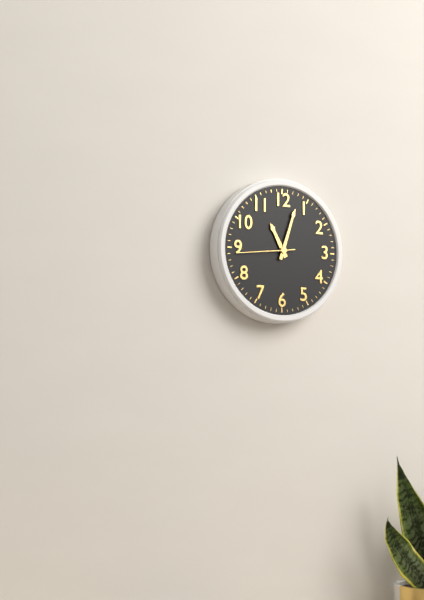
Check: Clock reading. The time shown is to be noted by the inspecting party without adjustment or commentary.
11:03:44
